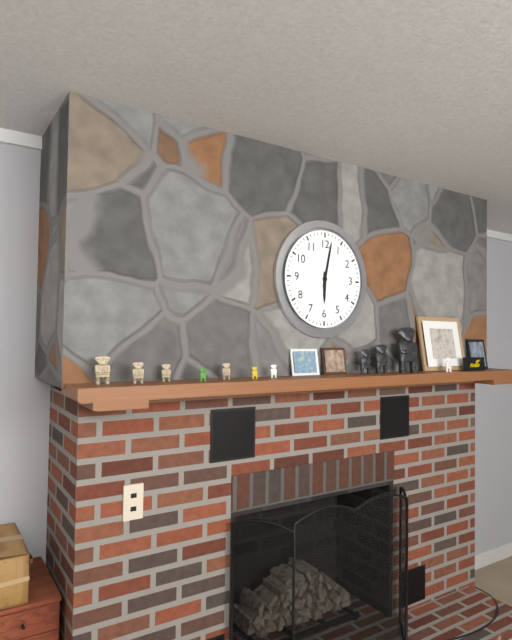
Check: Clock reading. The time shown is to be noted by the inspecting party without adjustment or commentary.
6:02
